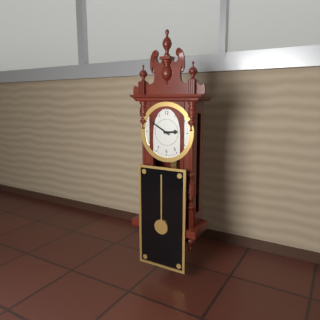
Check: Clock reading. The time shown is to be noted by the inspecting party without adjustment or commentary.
2:50
